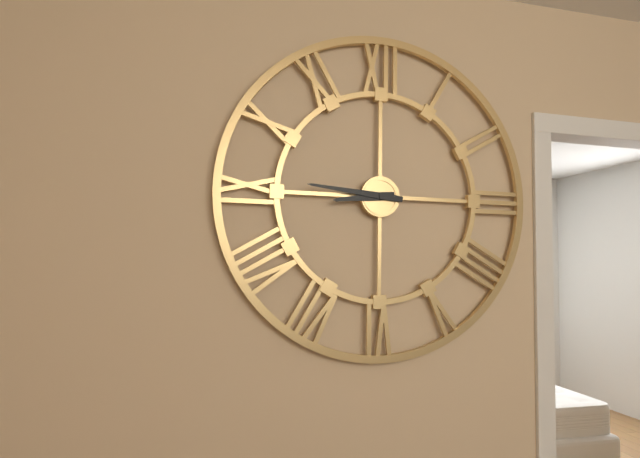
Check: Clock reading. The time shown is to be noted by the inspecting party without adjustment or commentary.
8:46
